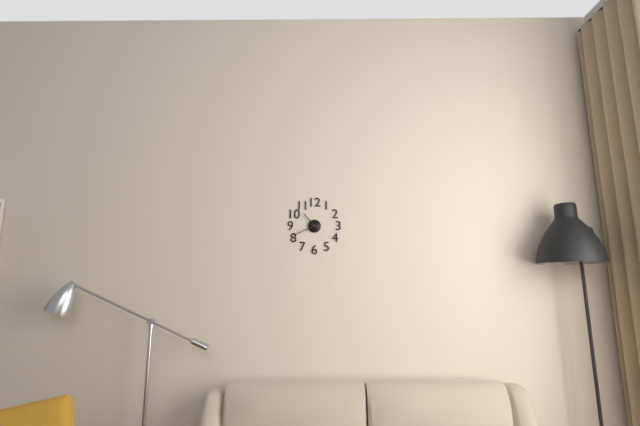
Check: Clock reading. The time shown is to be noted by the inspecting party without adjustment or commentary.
10:41
